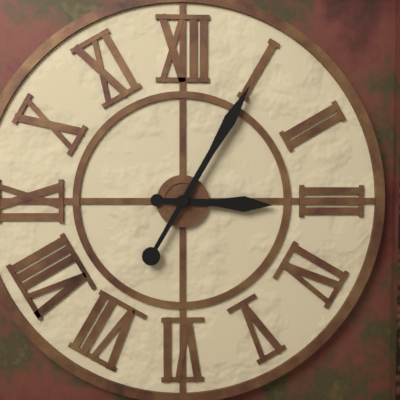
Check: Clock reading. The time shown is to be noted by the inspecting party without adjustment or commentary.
3:05
